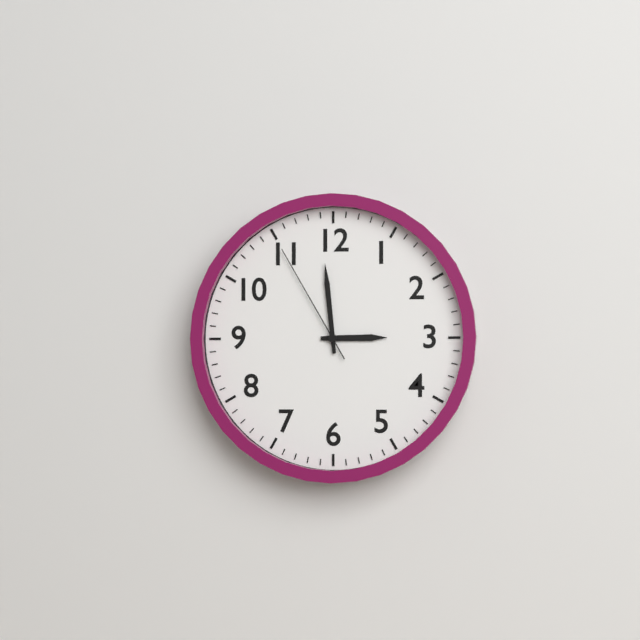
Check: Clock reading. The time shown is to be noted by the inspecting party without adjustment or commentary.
2:59:55
